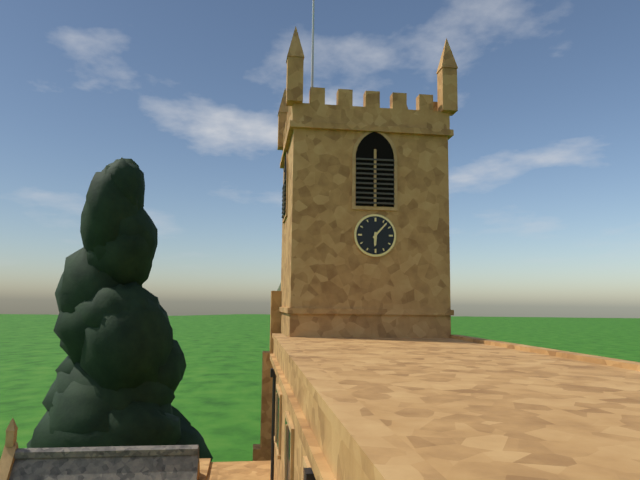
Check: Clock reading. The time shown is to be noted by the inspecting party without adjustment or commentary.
6:07
